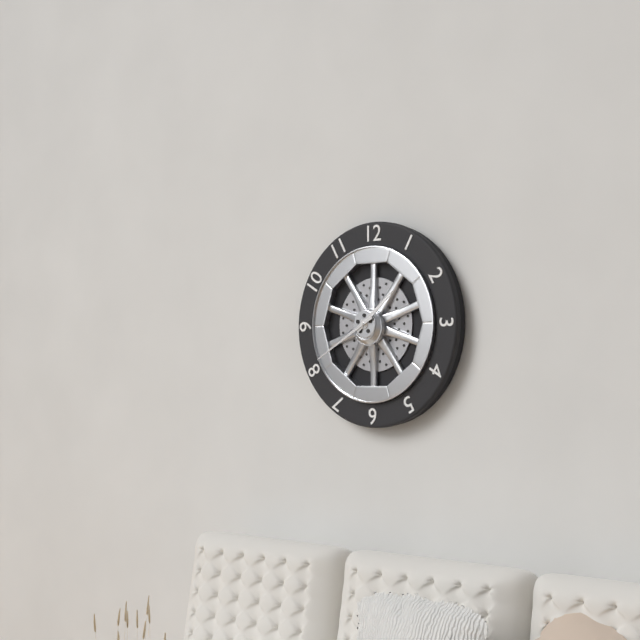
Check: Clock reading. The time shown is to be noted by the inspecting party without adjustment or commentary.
1:40
